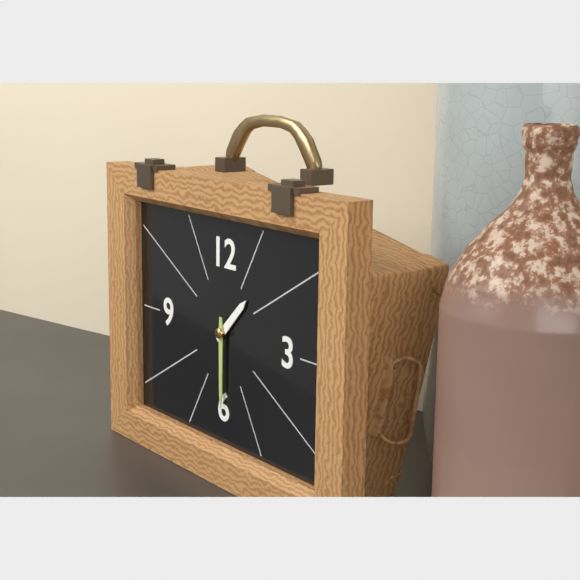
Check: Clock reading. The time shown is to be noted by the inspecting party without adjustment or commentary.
1:30
